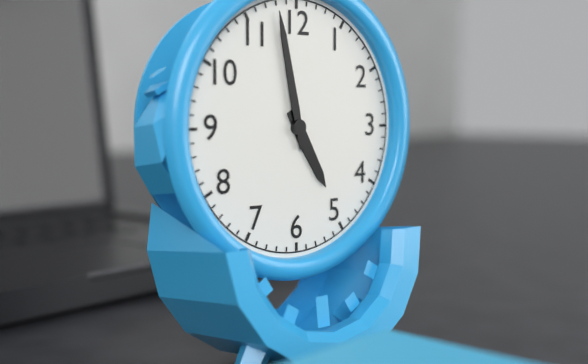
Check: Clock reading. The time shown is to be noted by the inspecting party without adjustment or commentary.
4:58
